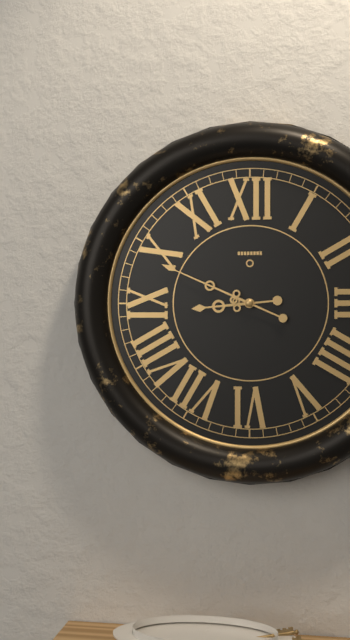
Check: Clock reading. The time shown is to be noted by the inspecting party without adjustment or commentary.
8:49
